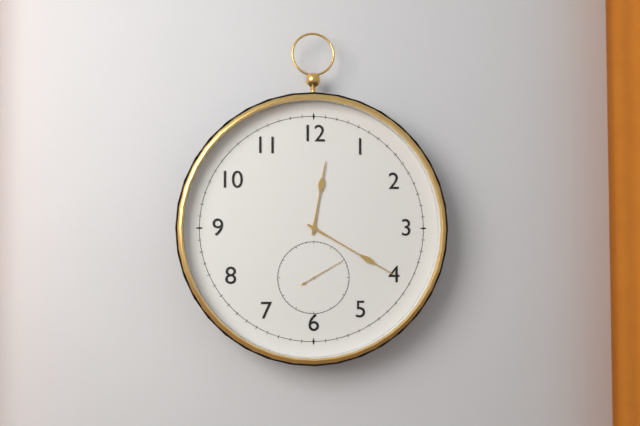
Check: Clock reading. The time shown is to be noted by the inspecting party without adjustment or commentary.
12:20
